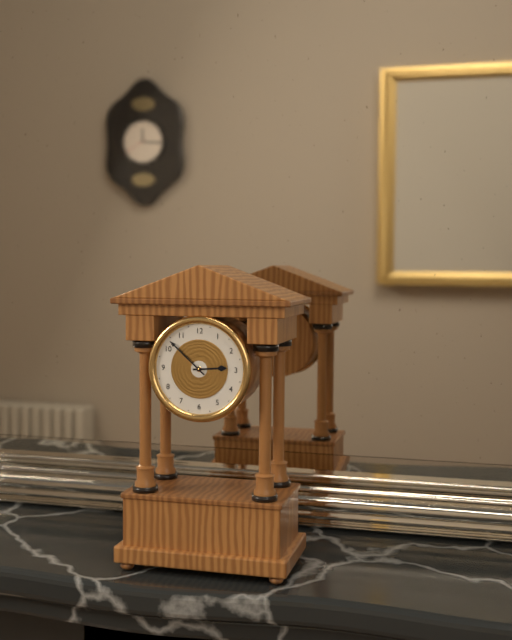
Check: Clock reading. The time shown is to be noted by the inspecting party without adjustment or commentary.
2:52
